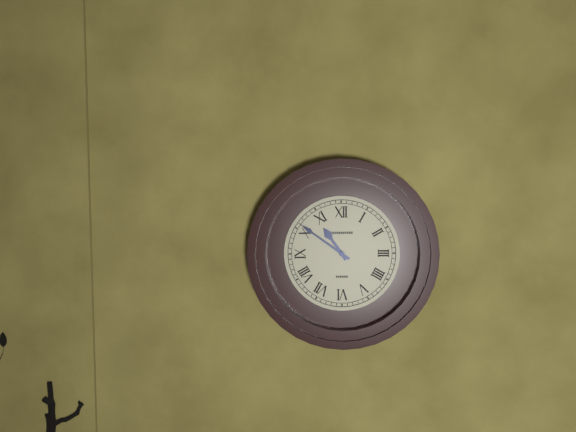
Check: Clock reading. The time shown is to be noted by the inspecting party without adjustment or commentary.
10:51
